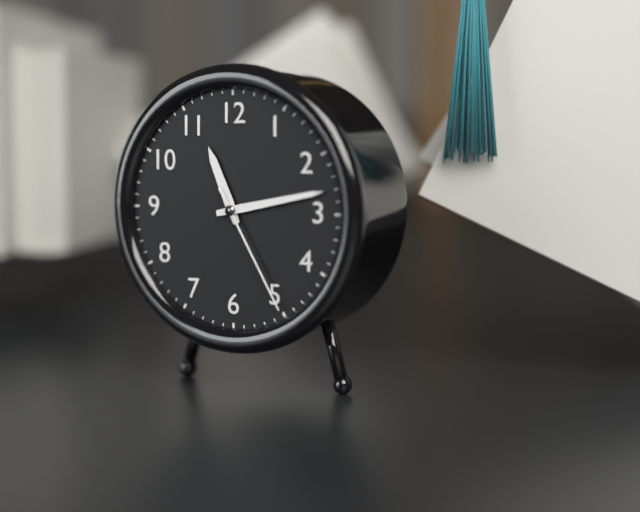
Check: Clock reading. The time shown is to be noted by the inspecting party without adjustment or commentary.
11:13:25
